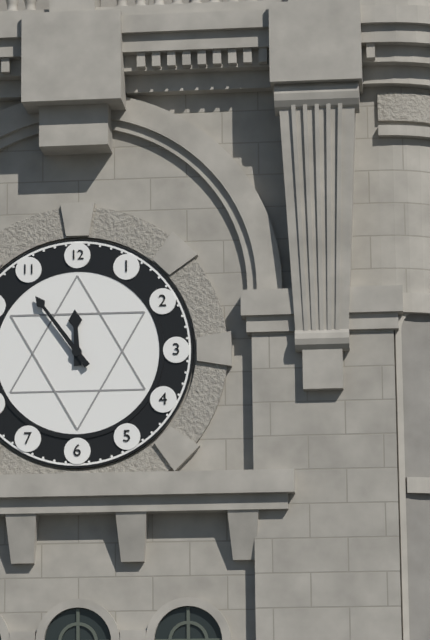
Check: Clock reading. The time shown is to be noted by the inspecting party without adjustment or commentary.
11:54
